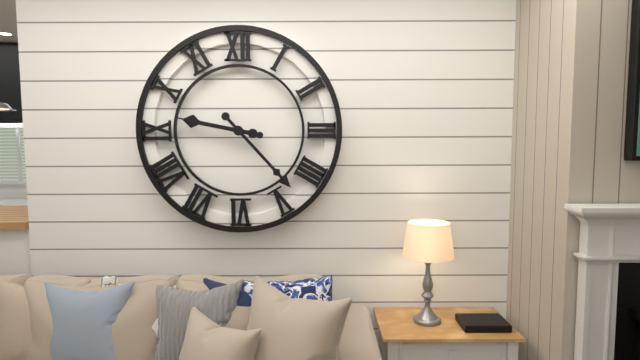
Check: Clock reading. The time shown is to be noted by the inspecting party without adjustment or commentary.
9:23:47
